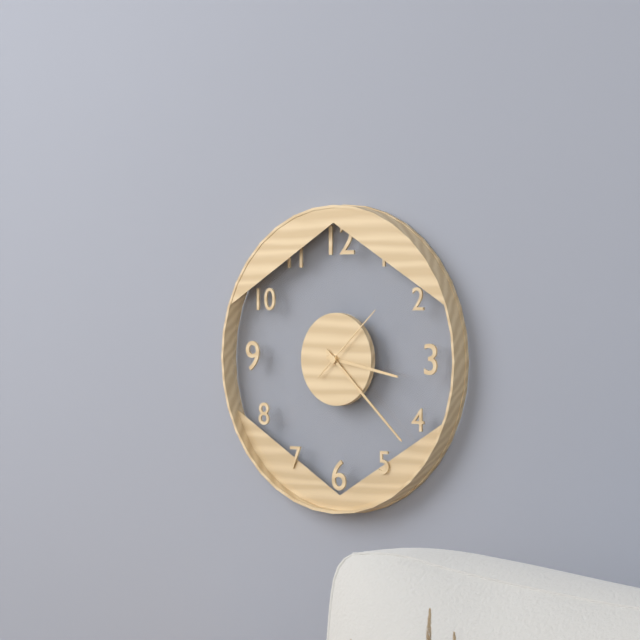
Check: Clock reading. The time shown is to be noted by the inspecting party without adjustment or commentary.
3:22:08
